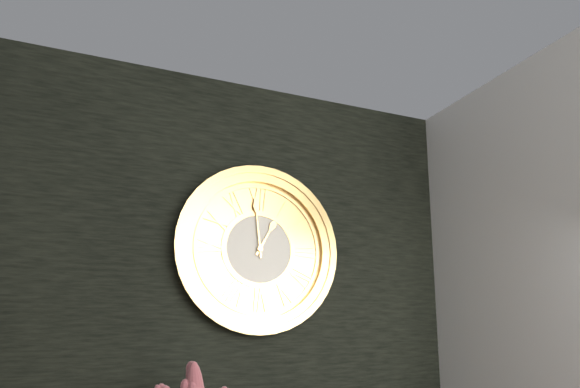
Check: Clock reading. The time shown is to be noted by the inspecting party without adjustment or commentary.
12:59
